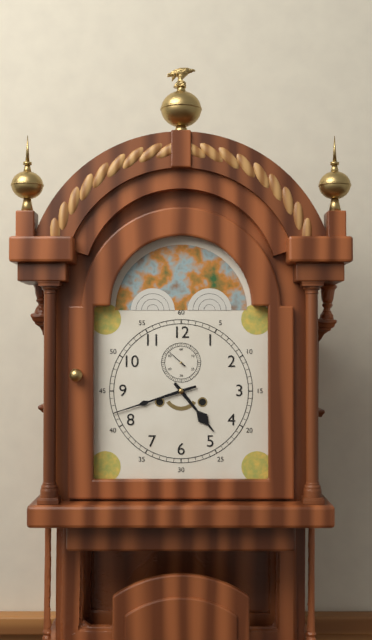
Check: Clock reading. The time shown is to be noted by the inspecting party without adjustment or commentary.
4:42
